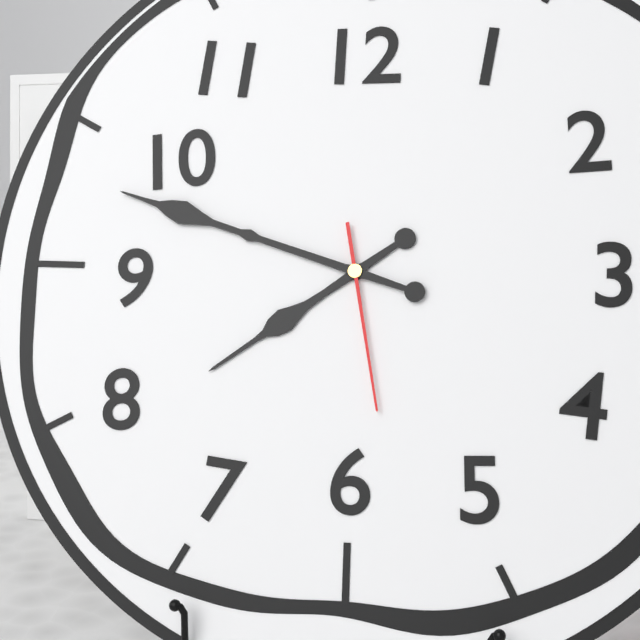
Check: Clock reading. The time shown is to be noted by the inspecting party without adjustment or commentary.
7:48:28
